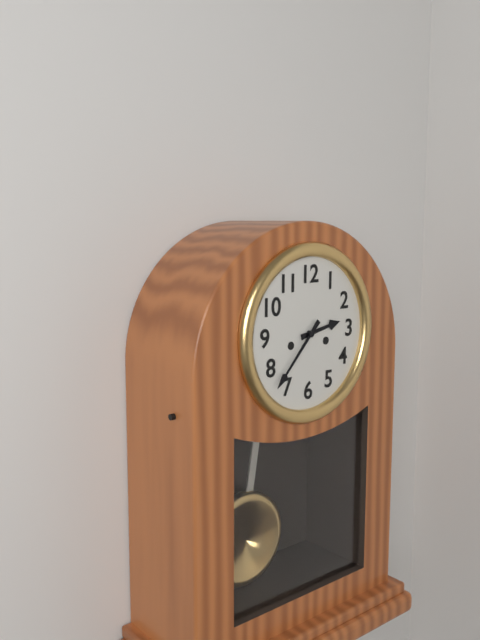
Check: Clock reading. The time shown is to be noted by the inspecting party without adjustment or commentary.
2:37
